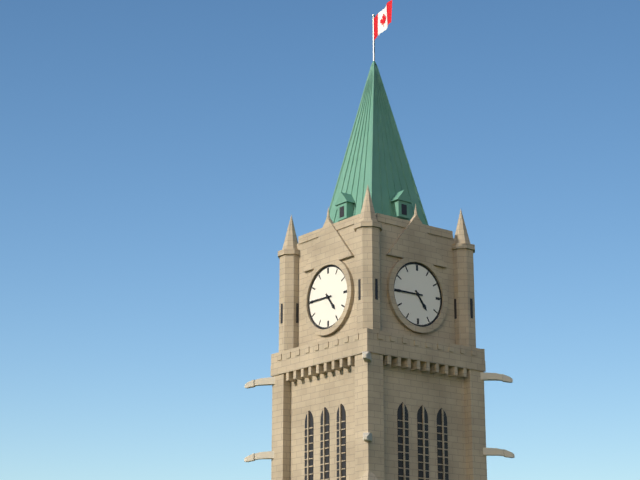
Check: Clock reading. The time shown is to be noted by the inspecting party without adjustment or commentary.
4:45
